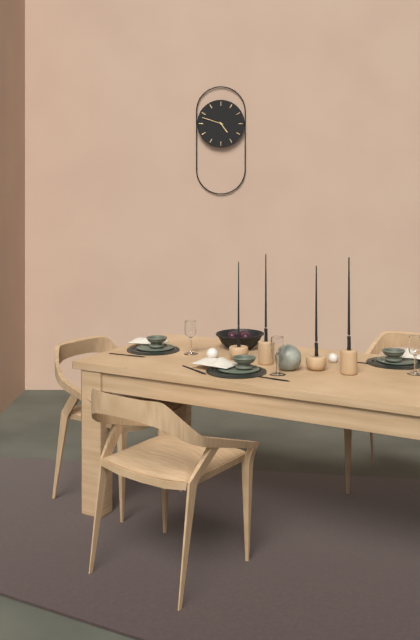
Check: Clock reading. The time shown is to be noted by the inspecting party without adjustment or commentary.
4:48
